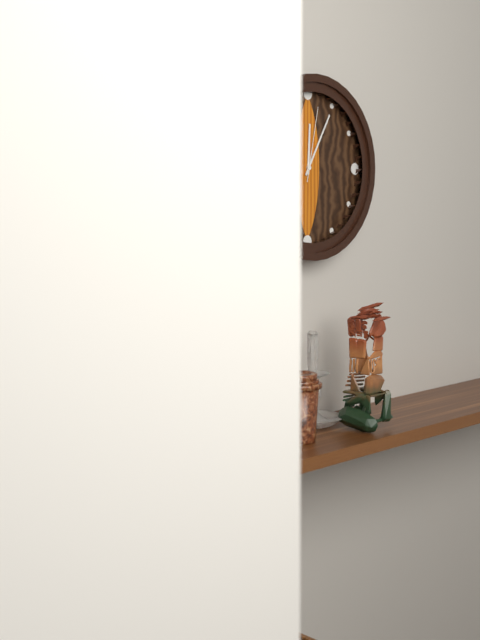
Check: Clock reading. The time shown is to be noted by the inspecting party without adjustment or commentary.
12:05:02
